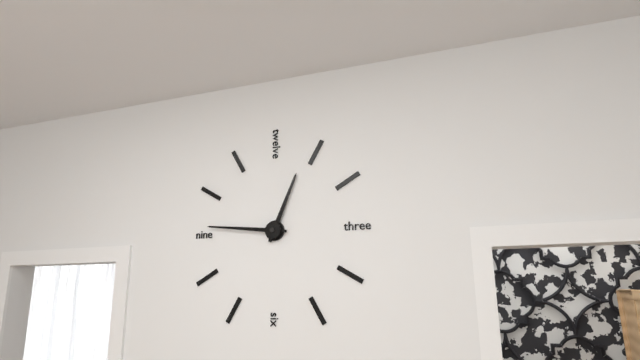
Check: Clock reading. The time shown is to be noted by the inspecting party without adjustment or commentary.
12:46
